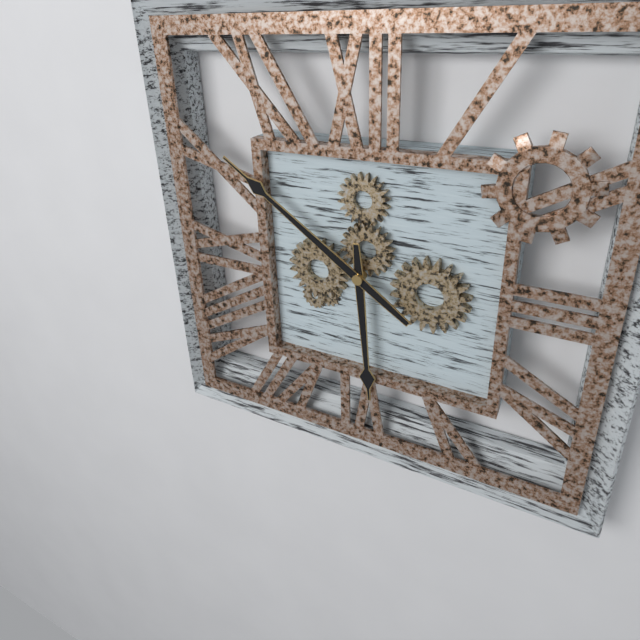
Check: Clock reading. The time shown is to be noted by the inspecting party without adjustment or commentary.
5:51
